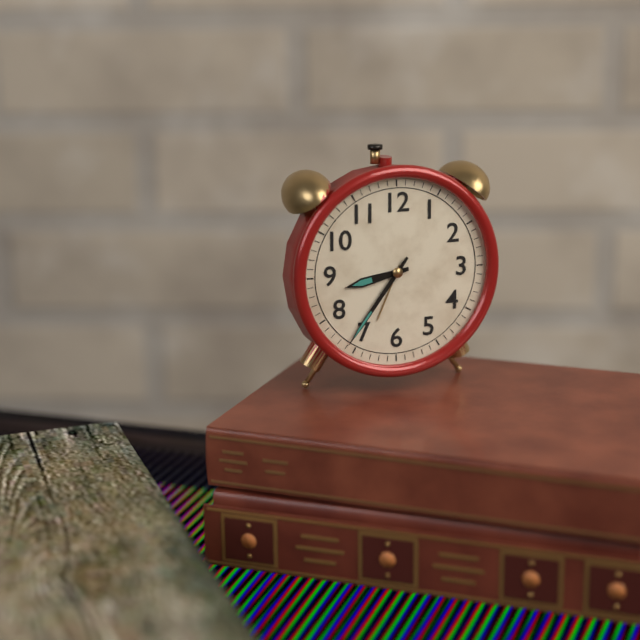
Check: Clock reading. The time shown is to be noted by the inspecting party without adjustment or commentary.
8:36
